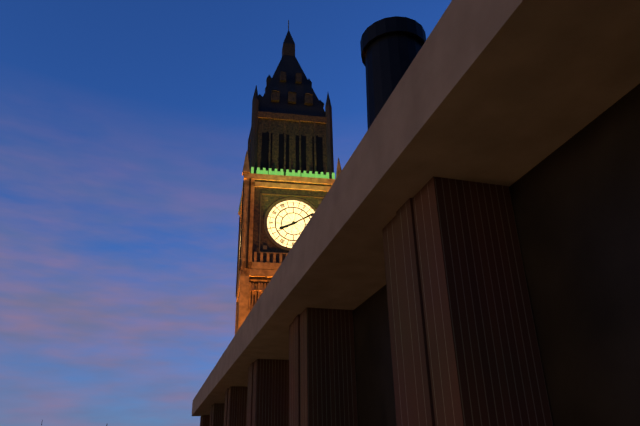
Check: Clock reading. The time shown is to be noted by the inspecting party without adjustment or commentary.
8:10
